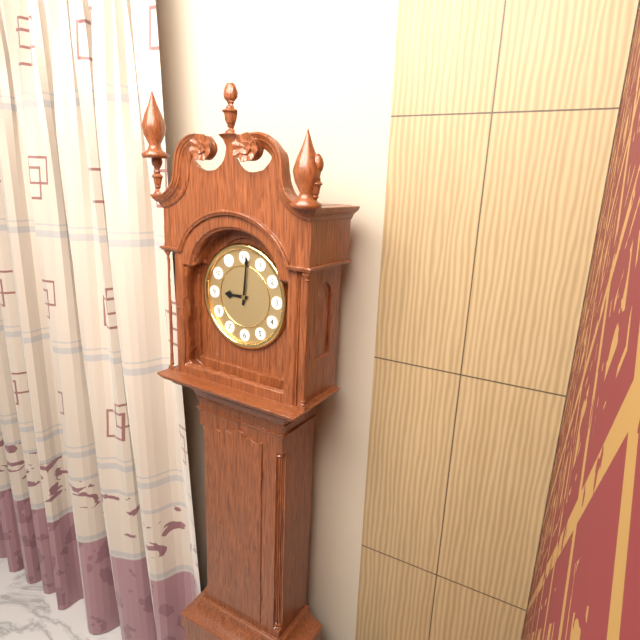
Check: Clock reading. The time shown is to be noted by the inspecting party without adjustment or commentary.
9:01
